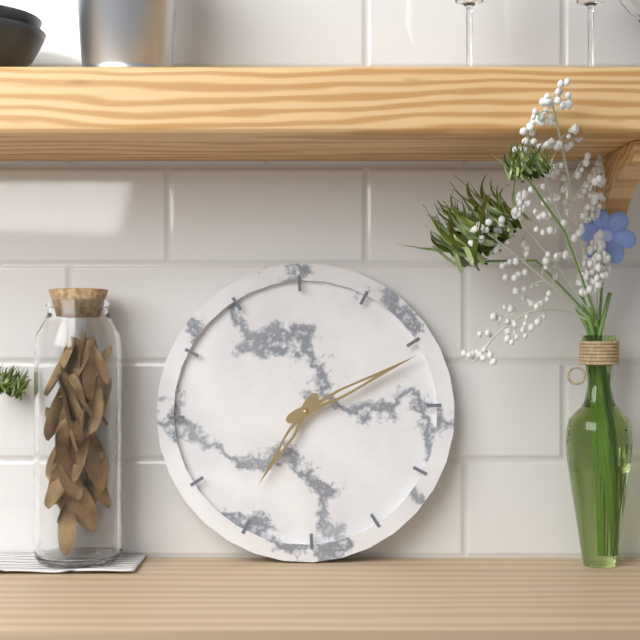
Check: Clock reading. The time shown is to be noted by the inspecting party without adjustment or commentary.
7:11
